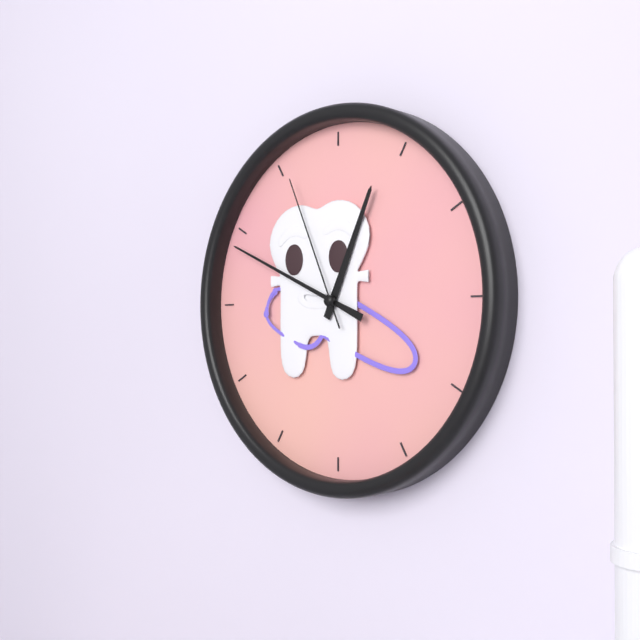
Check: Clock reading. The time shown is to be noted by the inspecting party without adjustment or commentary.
12:49:56
